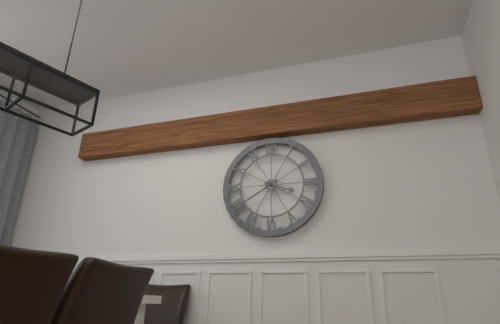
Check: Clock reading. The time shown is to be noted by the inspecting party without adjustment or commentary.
3:40
